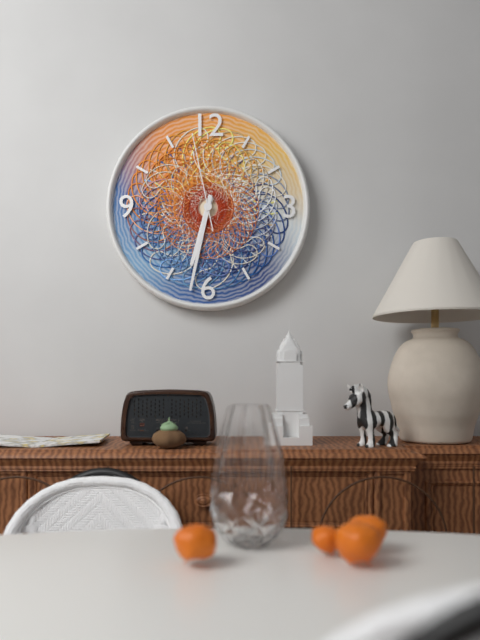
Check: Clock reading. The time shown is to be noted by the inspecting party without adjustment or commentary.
6:32:58
